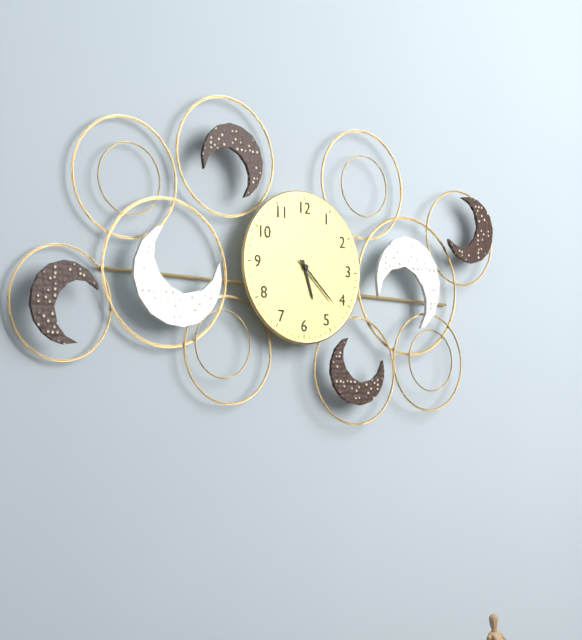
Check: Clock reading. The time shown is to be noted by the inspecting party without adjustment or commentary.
5:22
